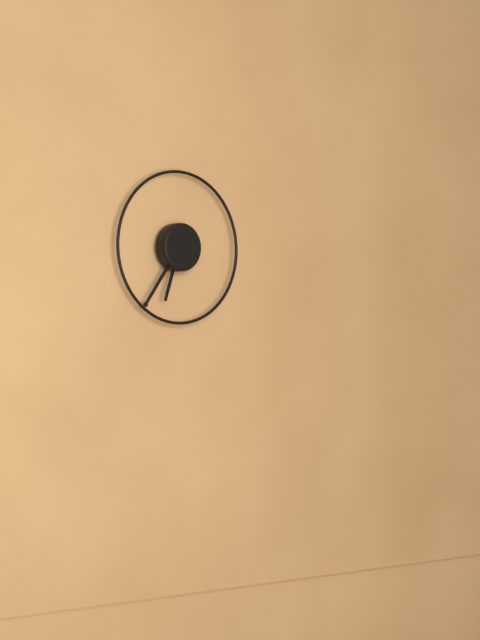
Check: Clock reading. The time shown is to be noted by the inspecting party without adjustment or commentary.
6:36
